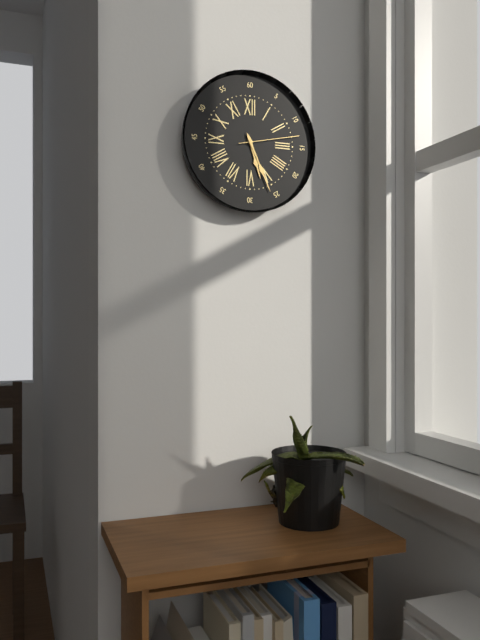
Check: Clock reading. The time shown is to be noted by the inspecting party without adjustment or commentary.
5:26:13
